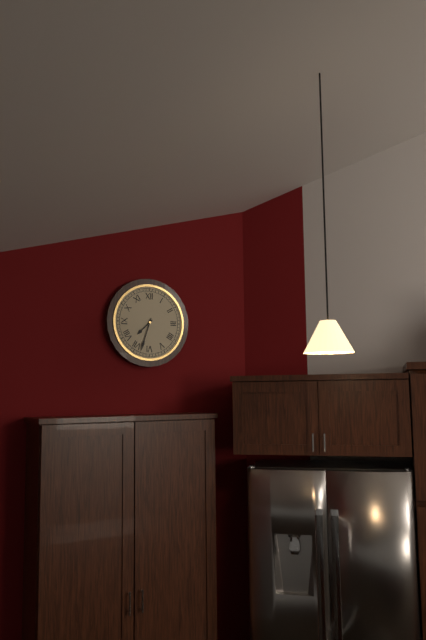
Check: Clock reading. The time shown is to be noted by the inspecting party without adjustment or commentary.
7:33
